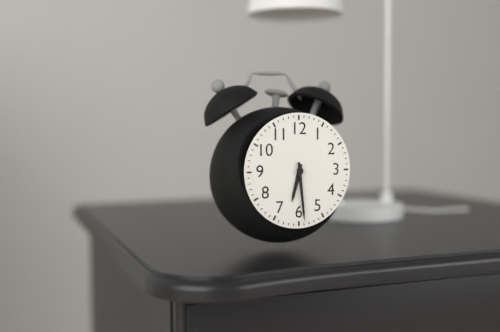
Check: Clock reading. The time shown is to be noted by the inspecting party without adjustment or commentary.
6:29
